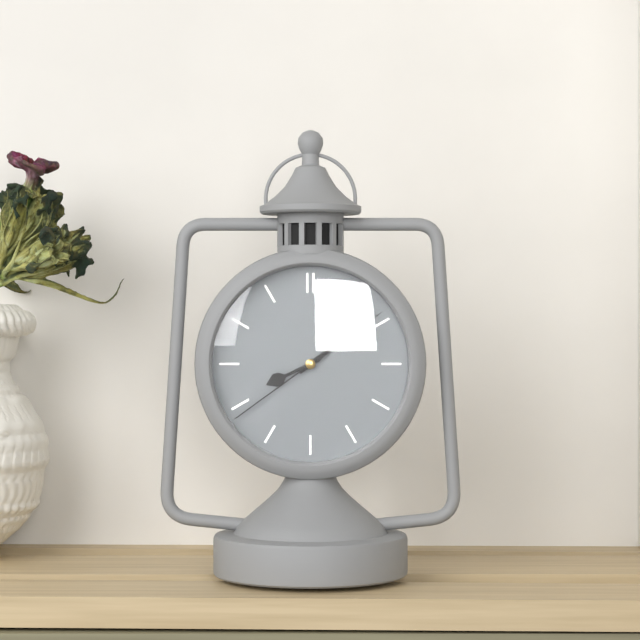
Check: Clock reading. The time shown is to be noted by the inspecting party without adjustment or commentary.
8:09:39
